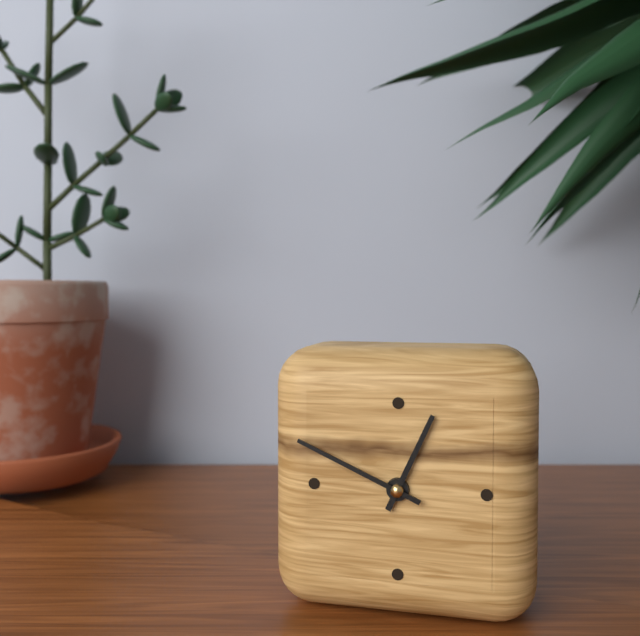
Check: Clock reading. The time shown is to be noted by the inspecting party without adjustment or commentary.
12:49
